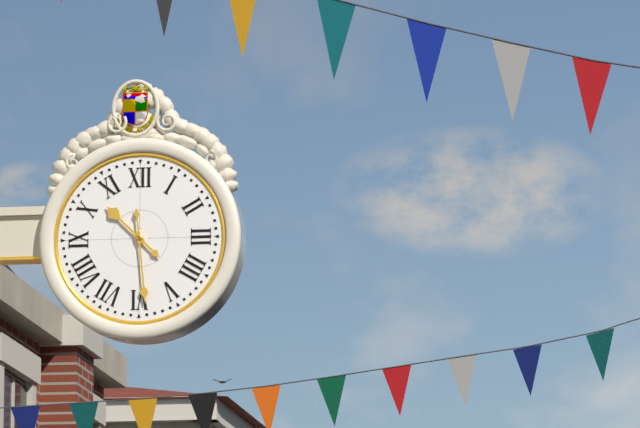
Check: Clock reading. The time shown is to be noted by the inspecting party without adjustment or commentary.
10:29
